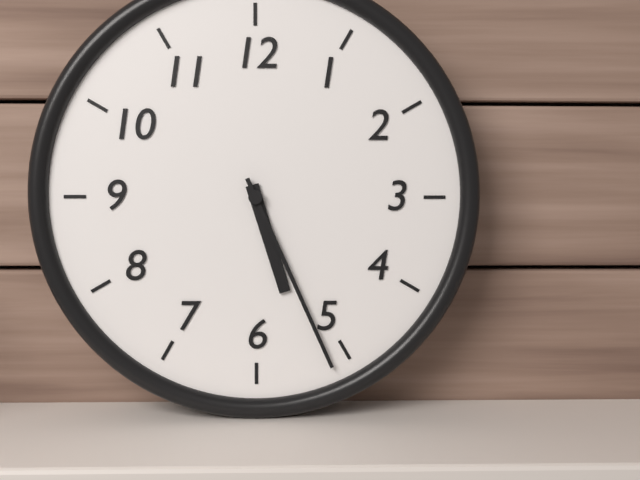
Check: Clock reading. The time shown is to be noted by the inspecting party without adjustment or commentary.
5:26
